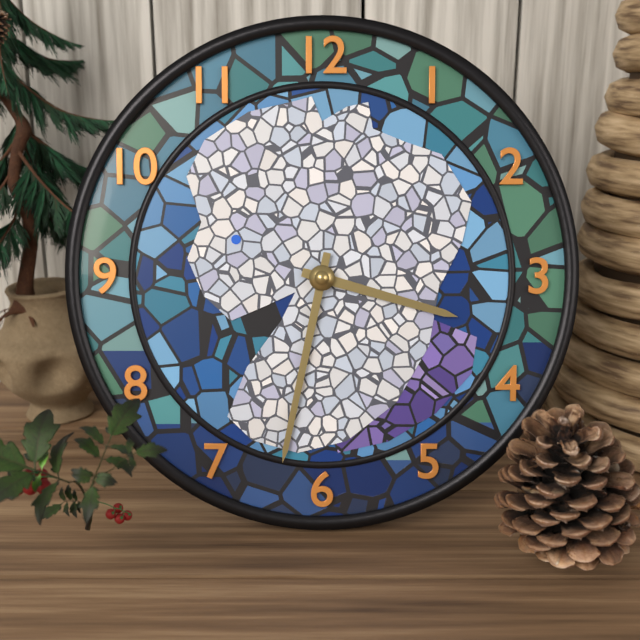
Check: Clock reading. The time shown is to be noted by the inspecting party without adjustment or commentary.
3:32
